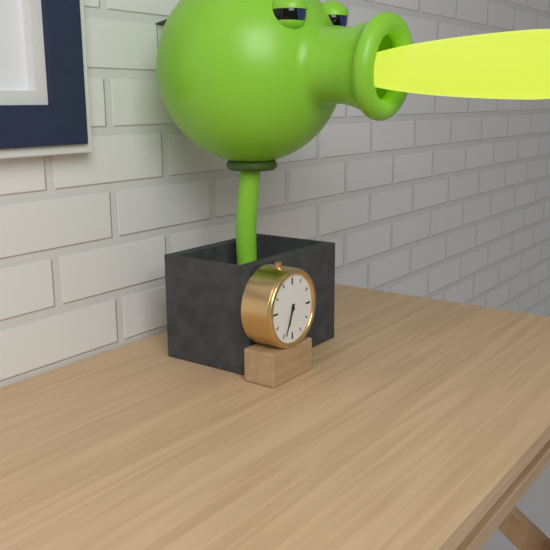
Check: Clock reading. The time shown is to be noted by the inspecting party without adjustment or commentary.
6:34
